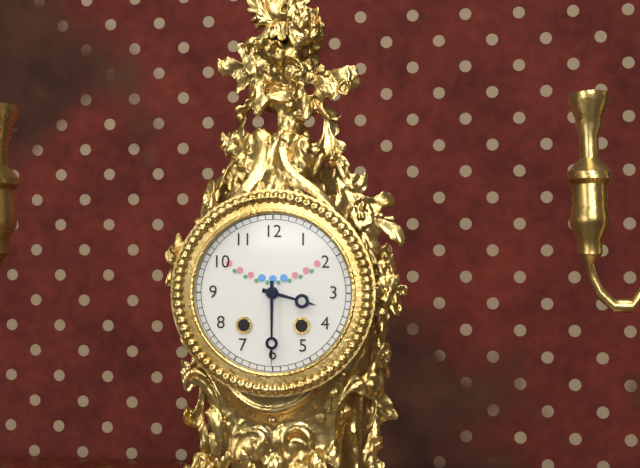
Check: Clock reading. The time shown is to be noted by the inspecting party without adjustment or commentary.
3:30
